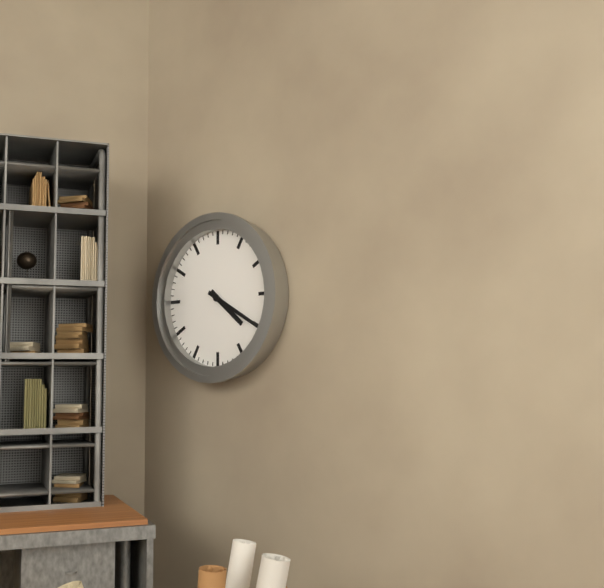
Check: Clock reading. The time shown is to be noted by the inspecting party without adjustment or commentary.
4:20
